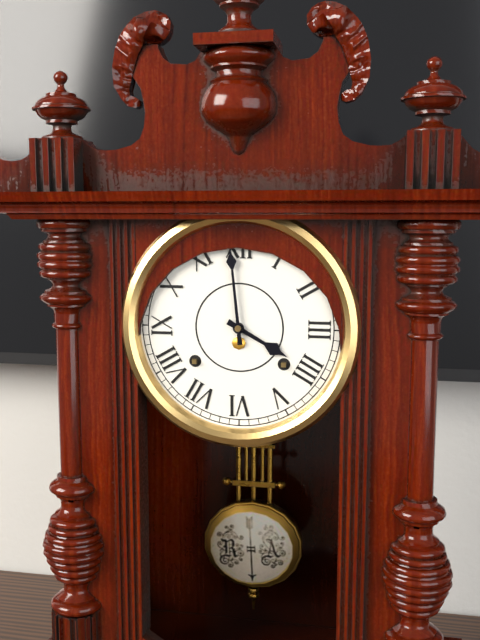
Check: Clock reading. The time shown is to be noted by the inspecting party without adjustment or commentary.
3:59
